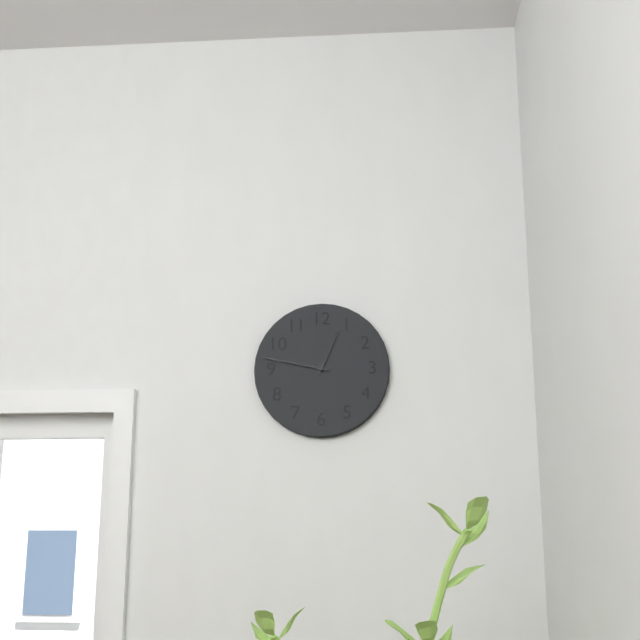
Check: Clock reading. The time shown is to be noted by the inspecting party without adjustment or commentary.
12:47
